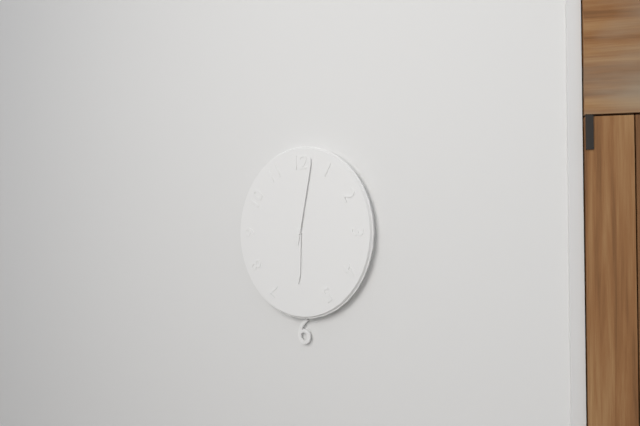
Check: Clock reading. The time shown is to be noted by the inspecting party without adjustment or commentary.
6:02
